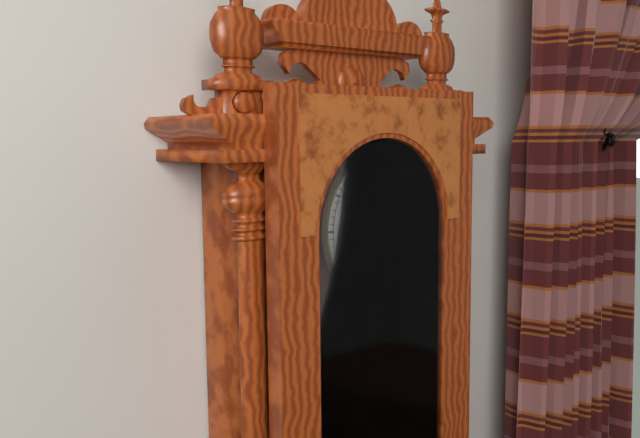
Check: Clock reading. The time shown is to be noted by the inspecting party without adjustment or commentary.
5:28
